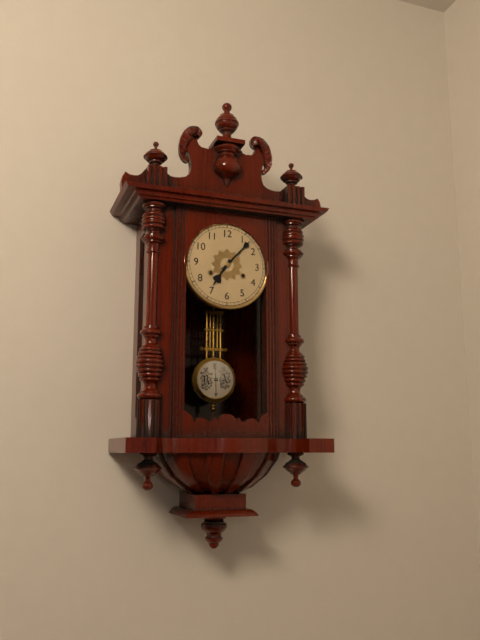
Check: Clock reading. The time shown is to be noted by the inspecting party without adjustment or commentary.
7:07
